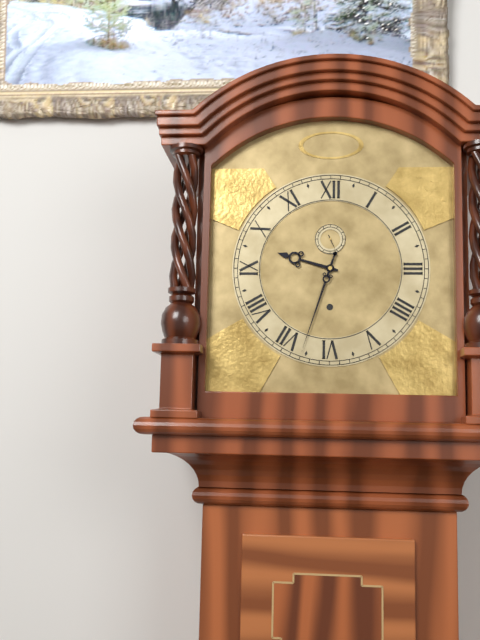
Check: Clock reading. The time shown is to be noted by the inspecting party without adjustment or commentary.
9:33
